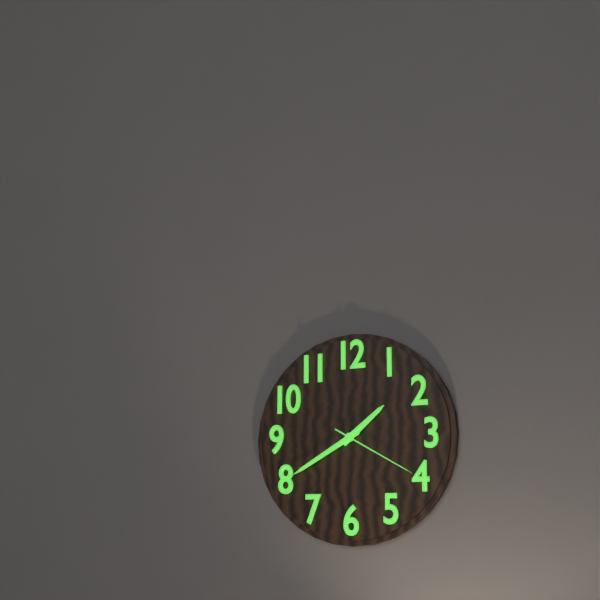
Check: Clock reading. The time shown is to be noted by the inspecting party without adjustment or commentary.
1:40:20
